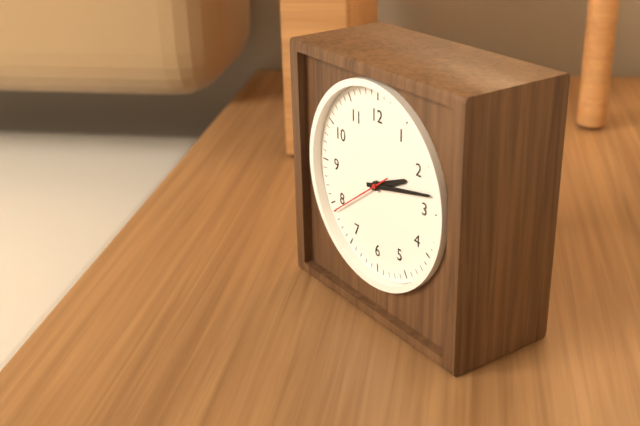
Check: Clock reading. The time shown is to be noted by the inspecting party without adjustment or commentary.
2:13:39
